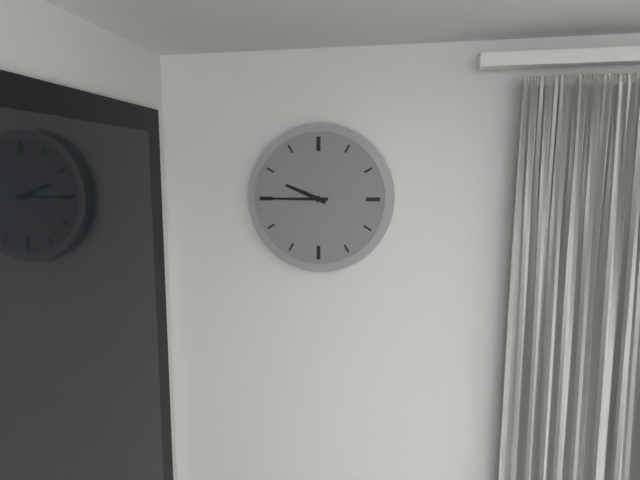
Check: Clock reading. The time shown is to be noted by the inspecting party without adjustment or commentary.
9:45
